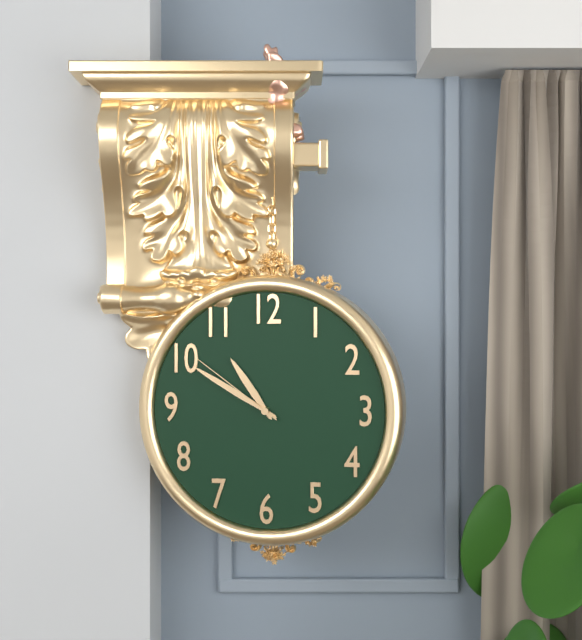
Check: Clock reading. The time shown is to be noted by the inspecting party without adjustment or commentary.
10:50:51
